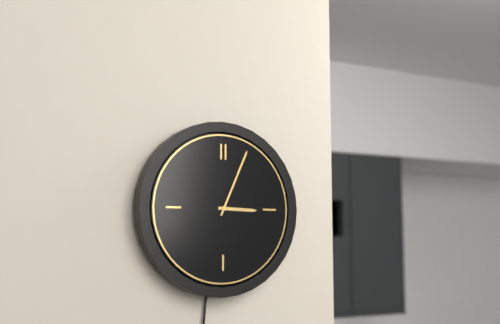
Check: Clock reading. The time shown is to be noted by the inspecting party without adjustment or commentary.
3:04
